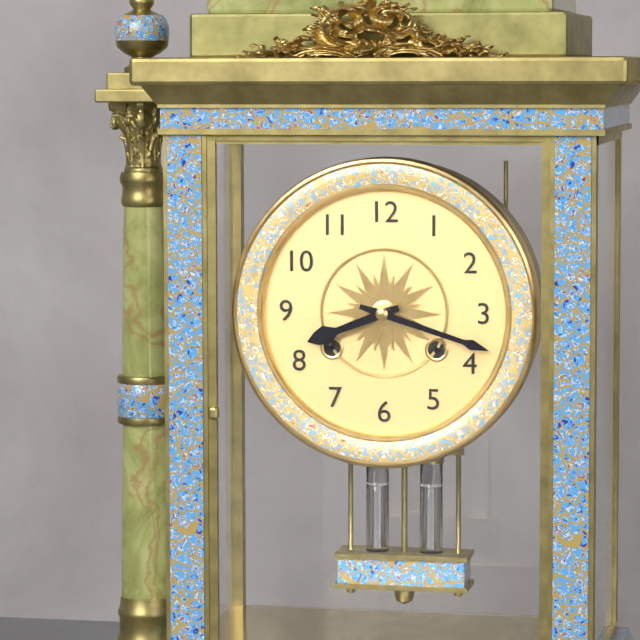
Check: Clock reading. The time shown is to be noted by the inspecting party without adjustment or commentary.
8:18
